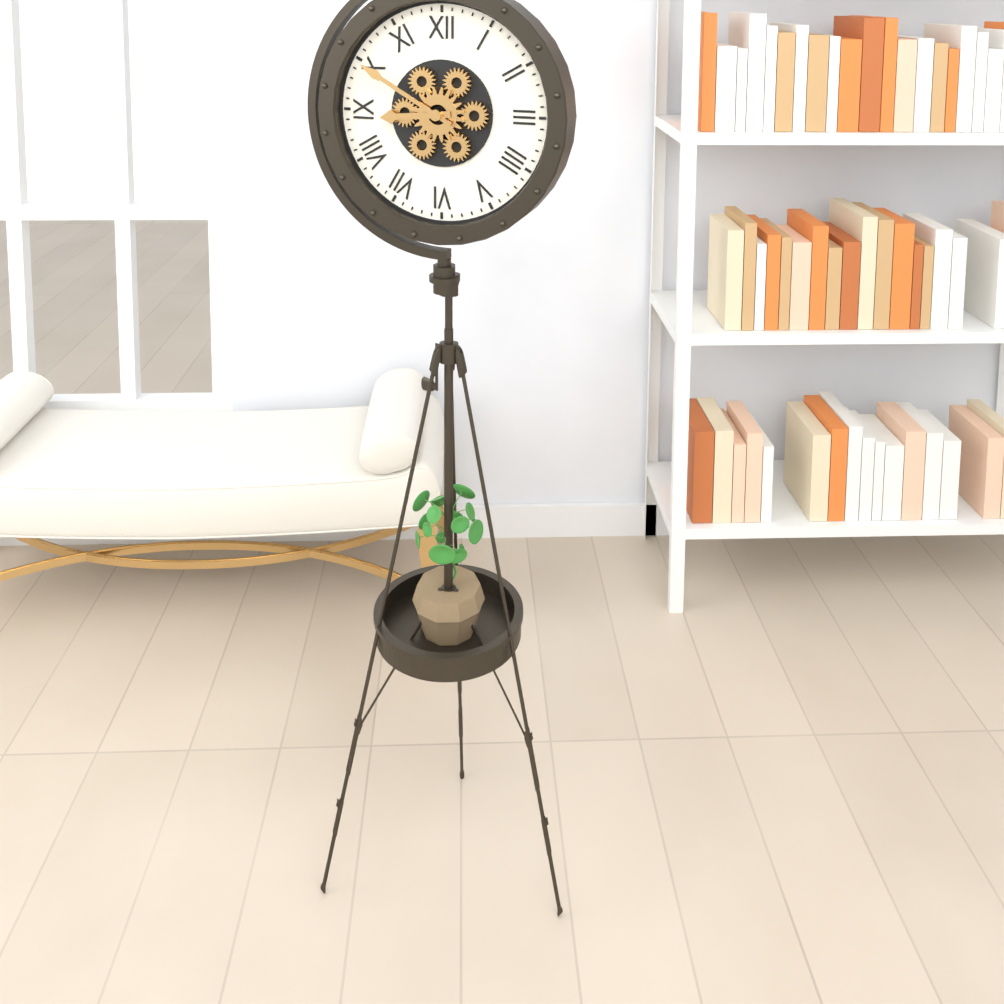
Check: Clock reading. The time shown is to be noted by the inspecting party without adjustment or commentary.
8:50
